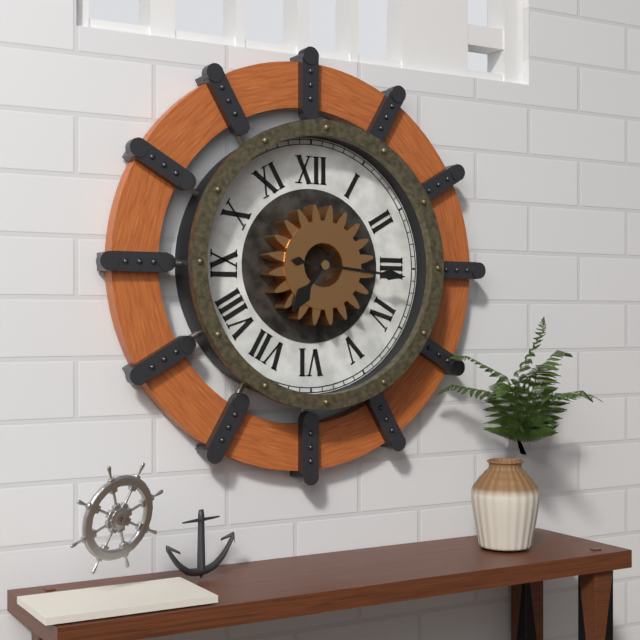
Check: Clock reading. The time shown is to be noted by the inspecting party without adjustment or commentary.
7:16
